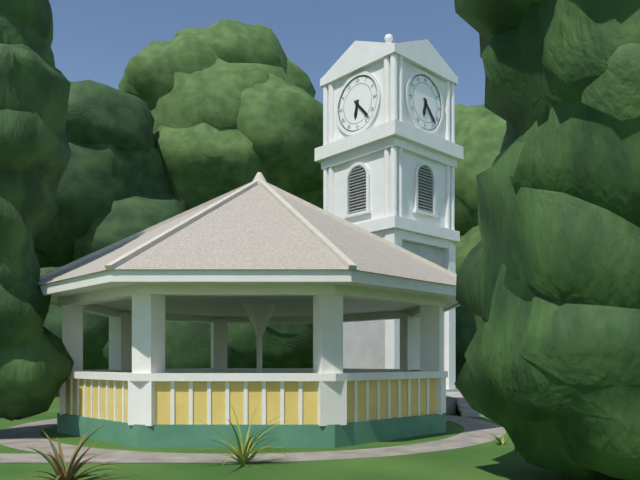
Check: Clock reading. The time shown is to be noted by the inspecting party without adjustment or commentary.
6:23
